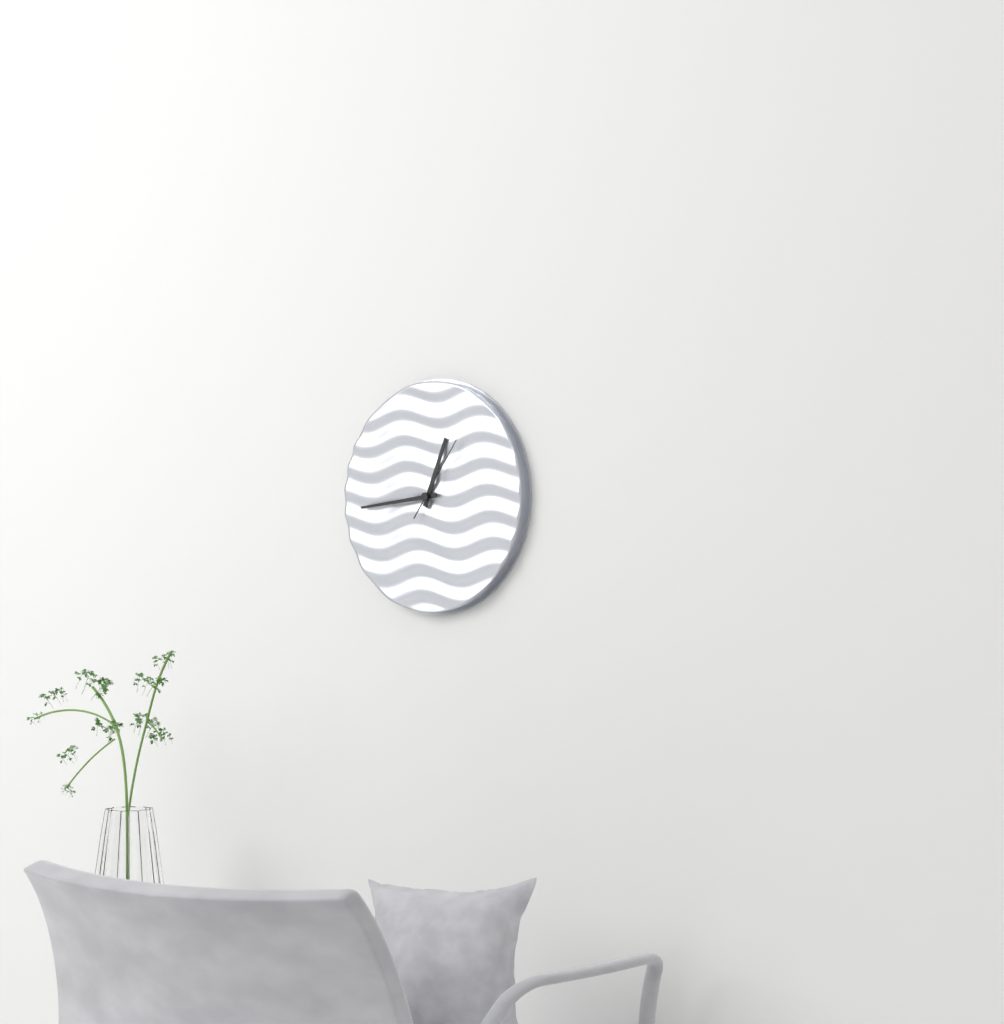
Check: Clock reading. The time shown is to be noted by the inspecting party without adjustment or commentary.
12:44:06
